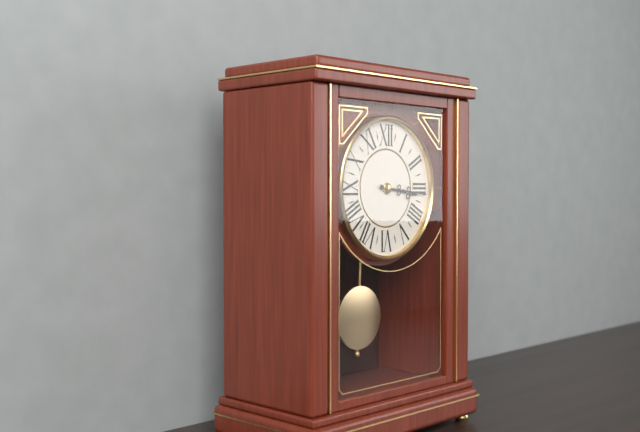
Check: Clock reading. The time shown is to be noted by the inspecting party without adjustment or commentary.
3:16
